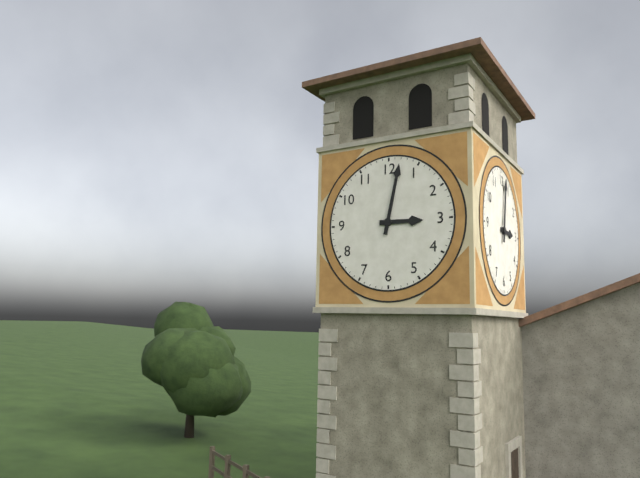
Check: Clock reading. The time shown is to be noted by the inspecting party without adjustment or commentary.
3:02
